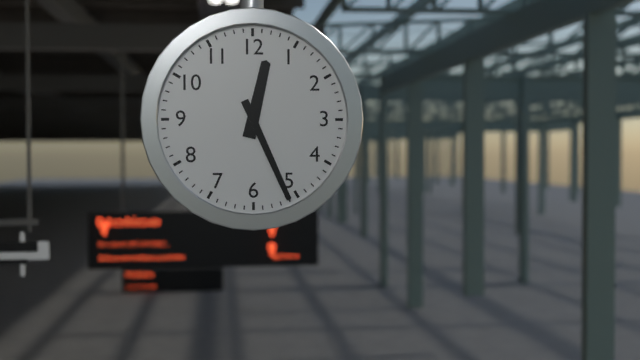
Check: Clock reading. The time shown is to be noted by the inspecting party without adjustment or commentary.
12:26
